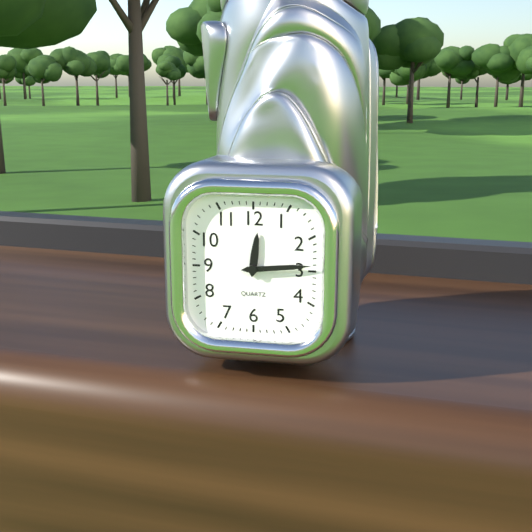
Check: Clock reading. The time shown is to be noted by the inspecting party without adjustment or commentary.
12:14
